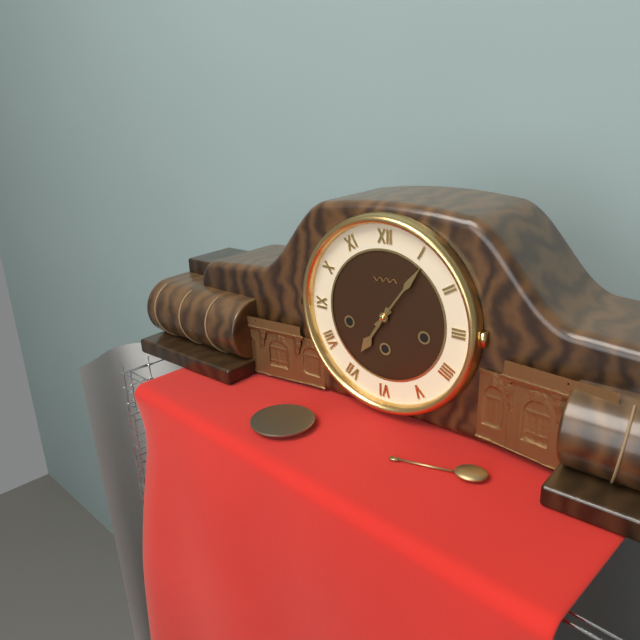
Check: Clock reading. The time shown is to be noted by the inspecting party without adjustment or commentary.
7:06
